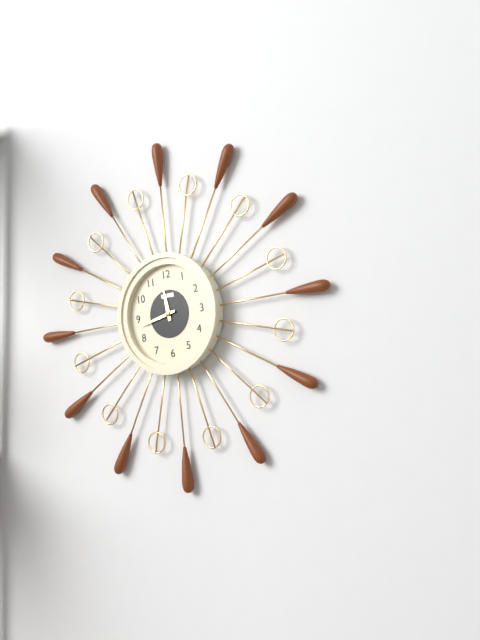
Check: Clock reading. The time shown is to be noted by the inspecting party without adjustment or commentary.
11:43
